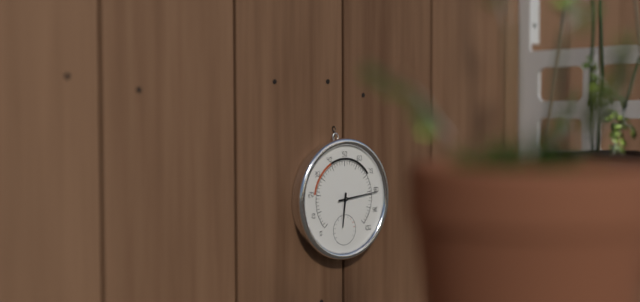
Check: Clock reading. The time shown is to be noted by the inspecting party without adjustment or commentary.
6:14
